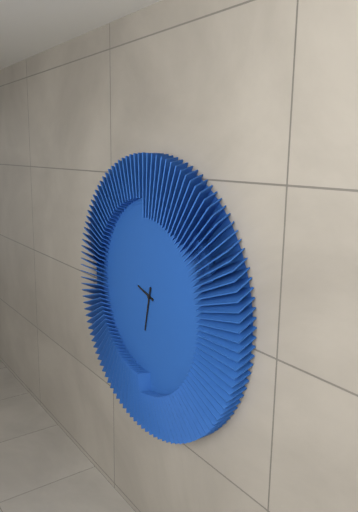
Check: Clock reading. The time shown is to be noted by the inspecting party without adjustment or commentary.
9:32
